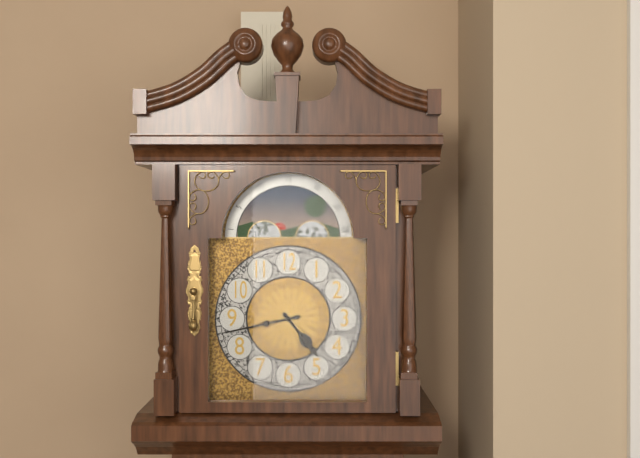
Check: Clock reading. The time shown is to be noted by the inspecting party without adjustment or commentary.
4:43
